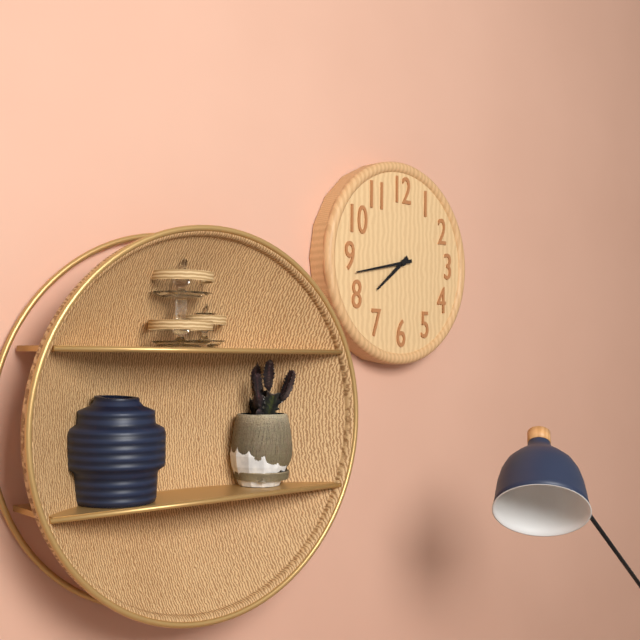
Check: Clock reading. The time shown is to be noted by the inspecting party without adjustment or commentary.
7:43
